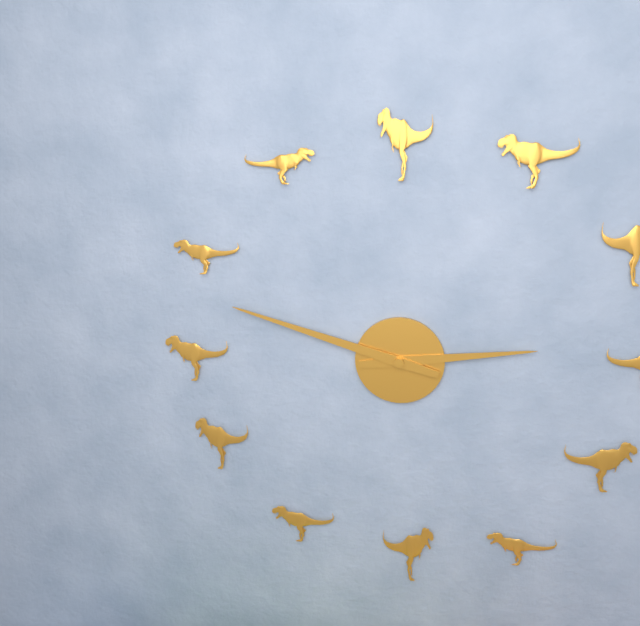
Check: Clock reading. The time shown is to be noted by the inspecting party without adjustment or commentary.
2:48
